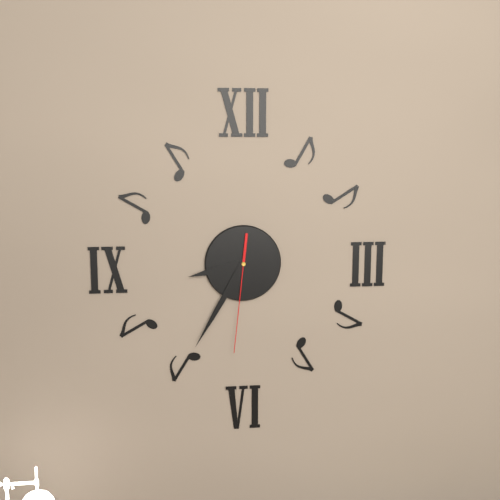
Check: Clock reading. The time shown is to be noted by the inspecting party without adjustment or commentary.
8:35:31
